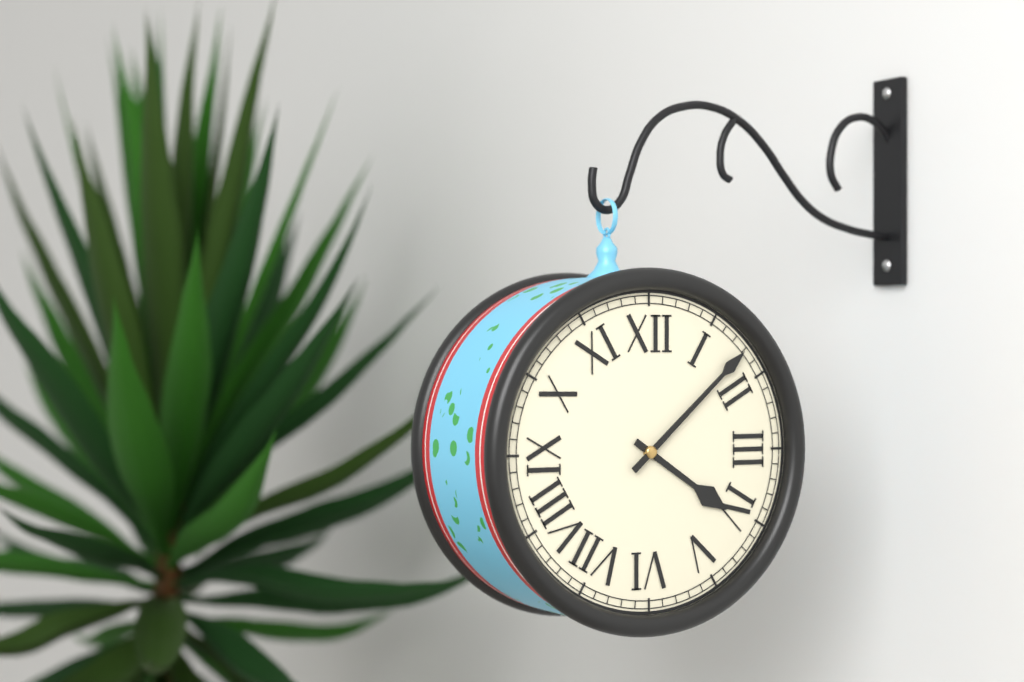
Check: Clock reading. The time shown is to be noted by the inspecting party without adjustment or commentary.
4:08
